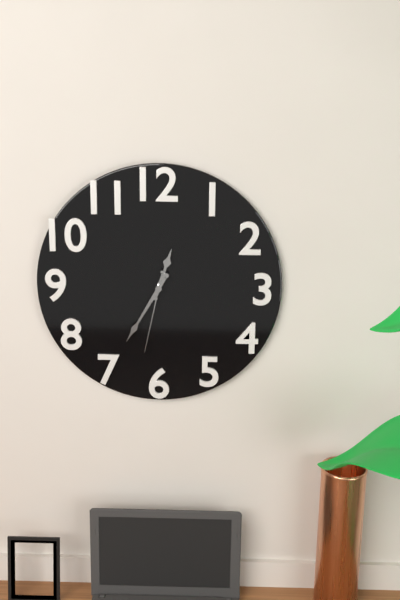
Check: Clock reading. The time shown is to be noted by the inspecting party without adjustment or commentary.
12:35:32
